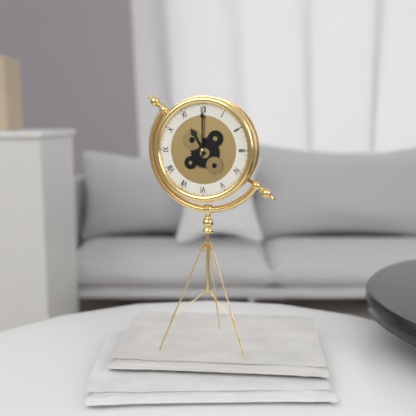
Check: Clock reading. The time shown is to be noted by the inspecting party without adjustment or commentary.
11:00
